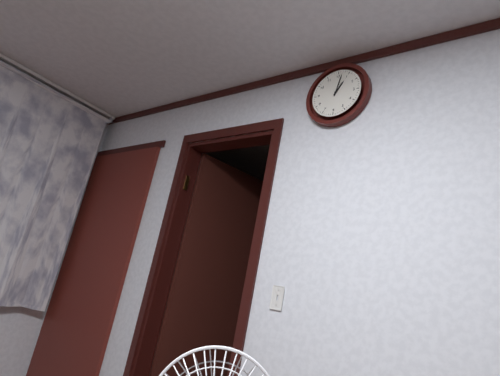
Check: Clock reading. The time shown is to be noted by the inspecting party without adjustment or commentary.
1:02
